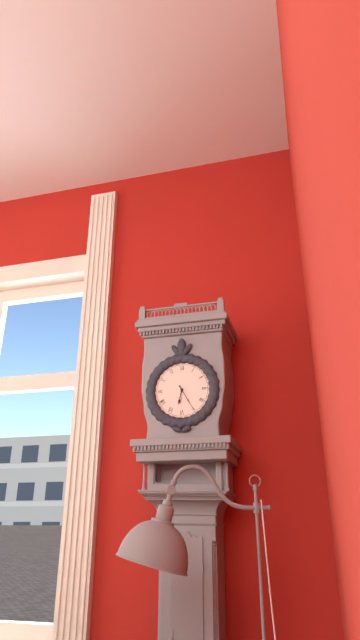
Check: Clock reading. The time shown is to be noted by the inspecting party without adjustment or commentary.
6:25
